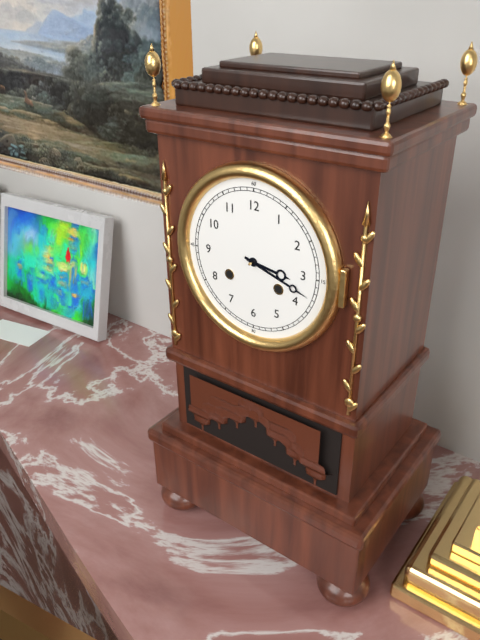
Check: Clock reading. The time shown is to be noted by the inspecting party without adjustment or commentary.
3:18
